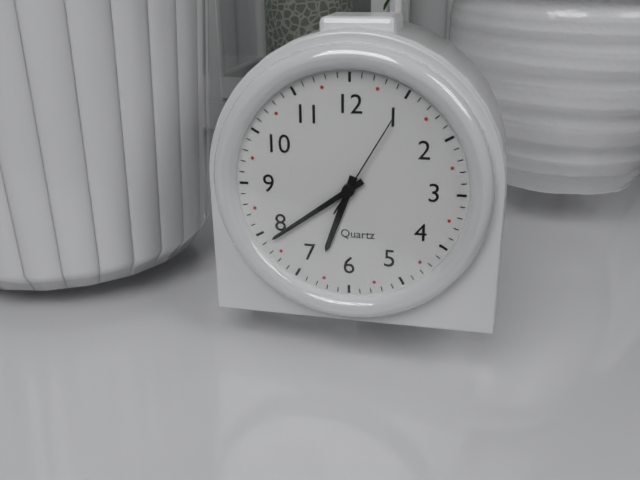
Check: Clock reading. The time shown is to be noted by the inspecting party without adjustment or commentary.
6:39:05
